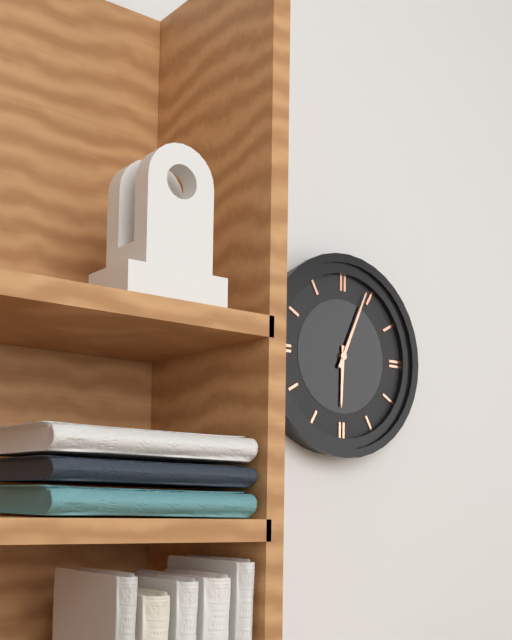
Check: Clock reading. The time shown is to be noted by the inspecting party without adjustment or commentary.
6:04
